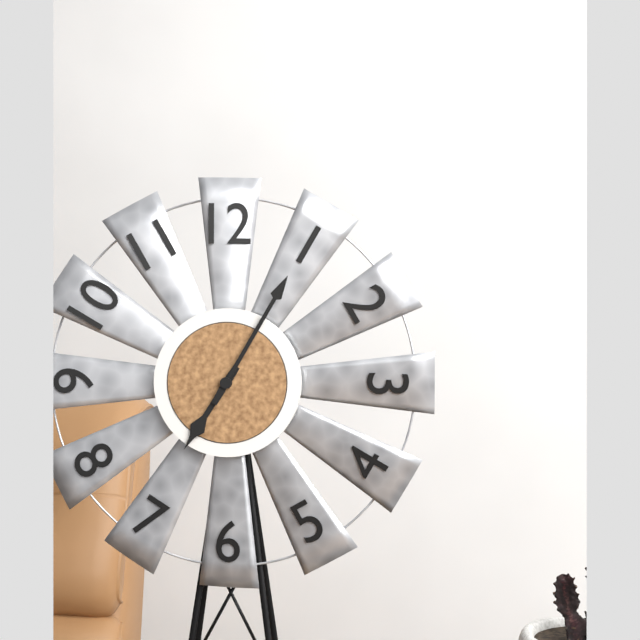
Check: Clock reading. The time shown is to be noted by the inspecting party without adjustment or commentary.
7:05
